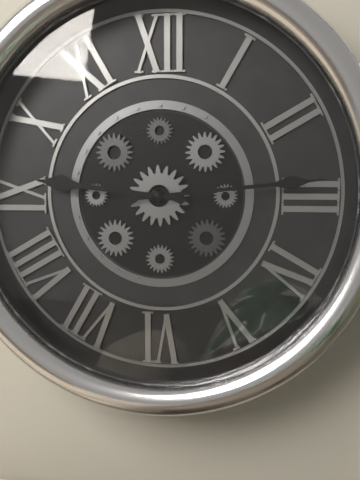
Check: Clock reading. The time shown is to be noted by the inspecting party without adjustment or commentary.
9:14
